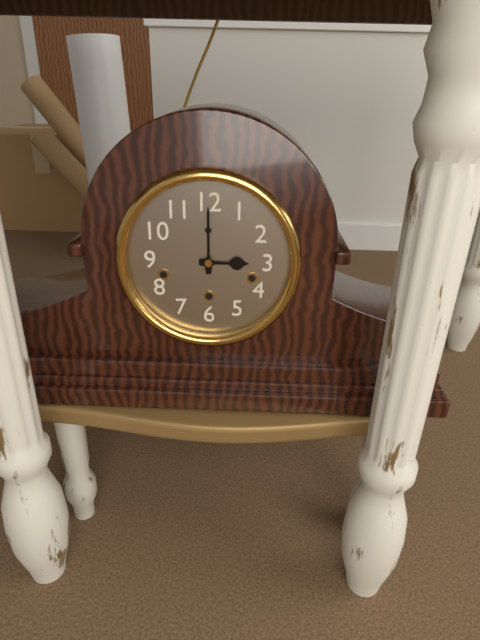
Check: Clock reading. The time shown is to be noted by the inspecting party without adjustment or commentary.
3:00
